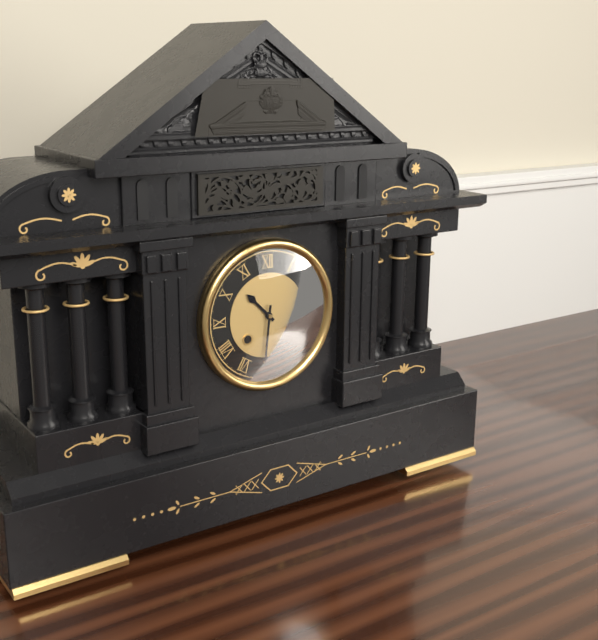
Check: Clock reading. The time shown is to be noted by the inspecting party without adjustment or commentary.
10:31
